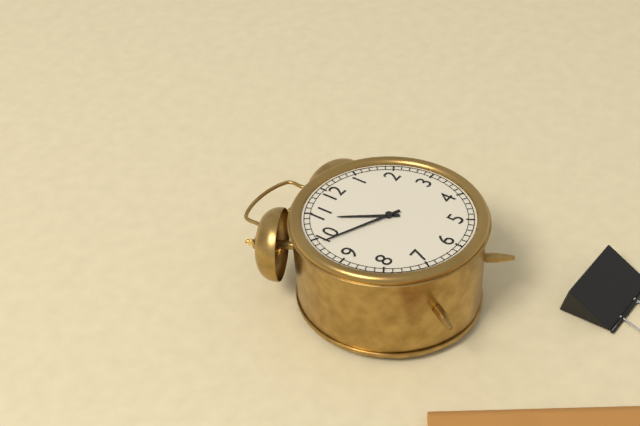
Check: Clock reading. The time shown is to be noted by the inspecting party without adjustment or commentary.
10:49
